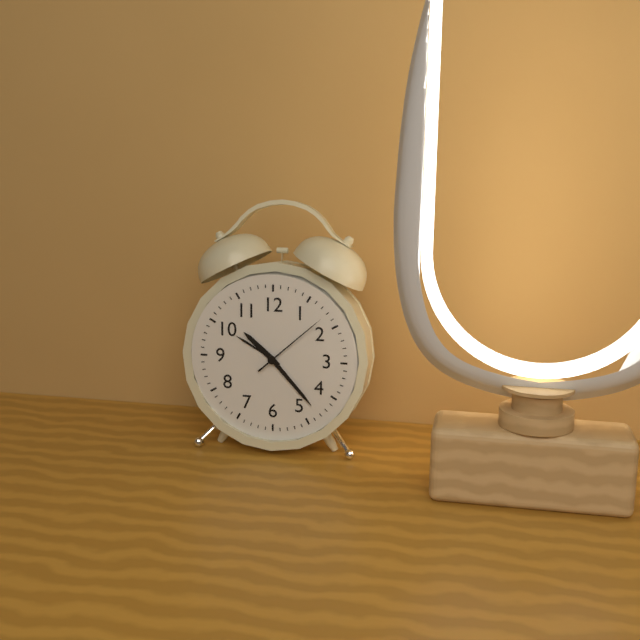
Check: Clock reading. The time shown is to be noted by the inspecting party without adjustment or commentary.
10:23:08
